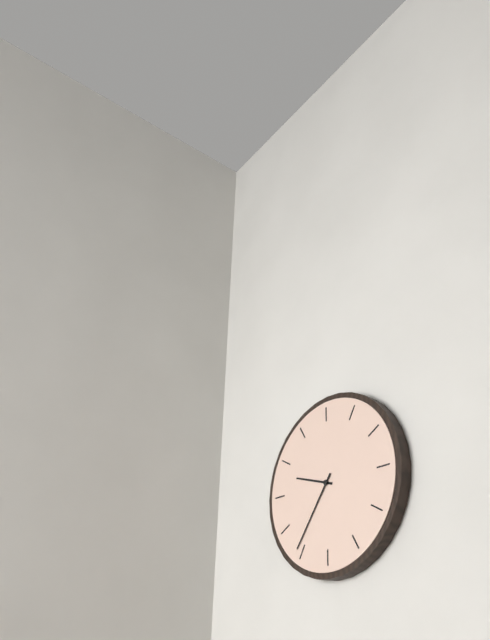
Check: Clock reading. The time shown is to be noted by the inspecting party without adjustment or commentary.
9:36
